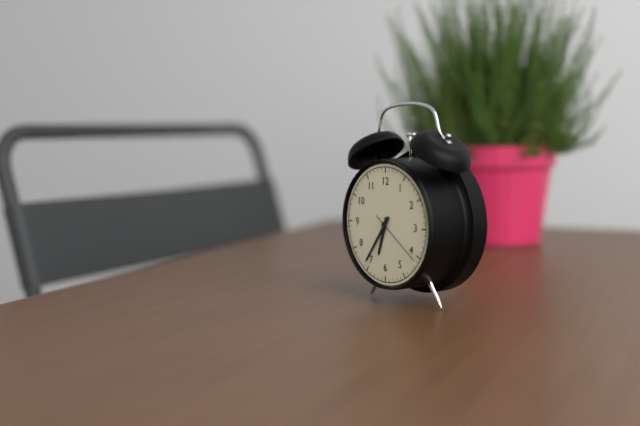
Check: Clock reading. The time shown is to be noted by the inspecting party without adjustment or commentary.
6:36:21
